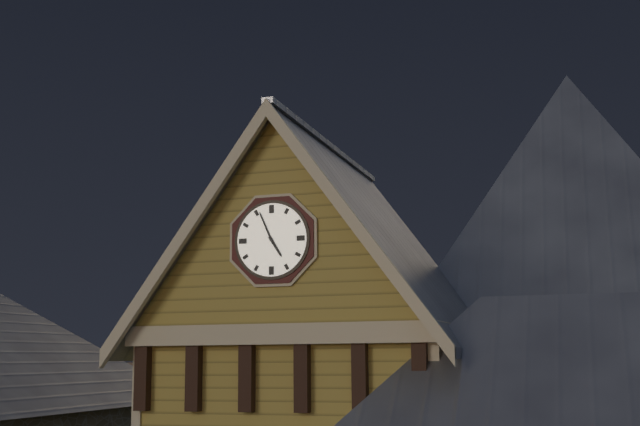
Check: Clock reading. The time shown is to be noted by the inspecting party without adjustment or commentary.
4:56
